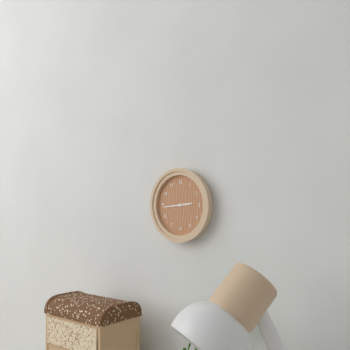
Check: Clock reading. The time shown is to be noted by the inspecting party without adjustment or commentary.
2:44
